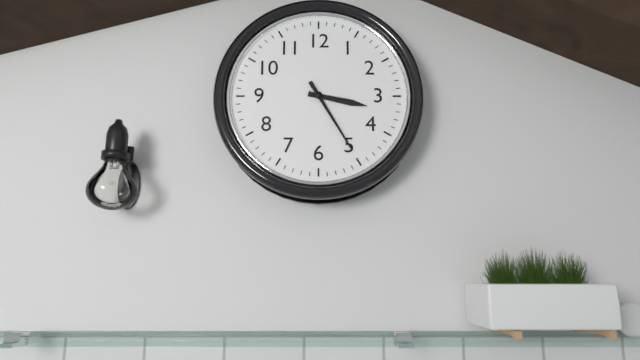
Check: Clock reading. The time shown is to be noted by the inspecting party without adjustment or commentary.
3:25
